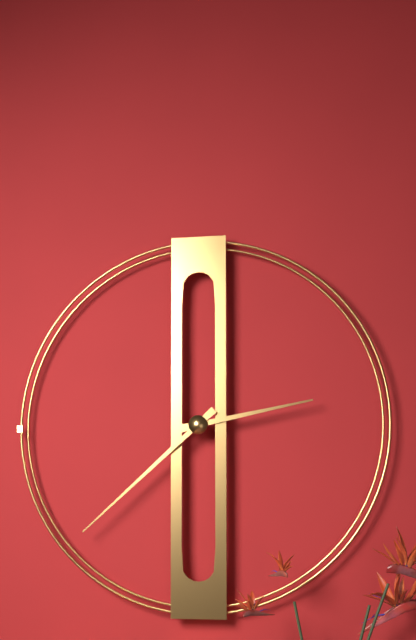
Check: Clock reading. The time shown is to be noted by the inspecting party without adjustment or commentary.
2:38
